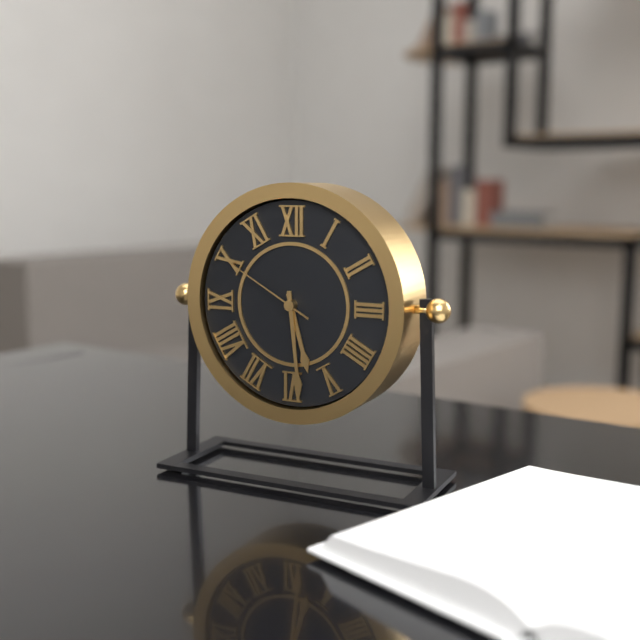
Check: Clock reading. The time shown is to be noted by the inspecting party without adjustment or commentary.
5:29:50
